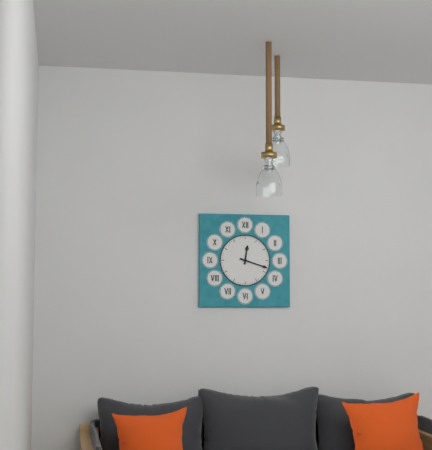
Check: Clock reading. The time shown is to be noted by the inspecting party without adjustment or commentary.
12:18
